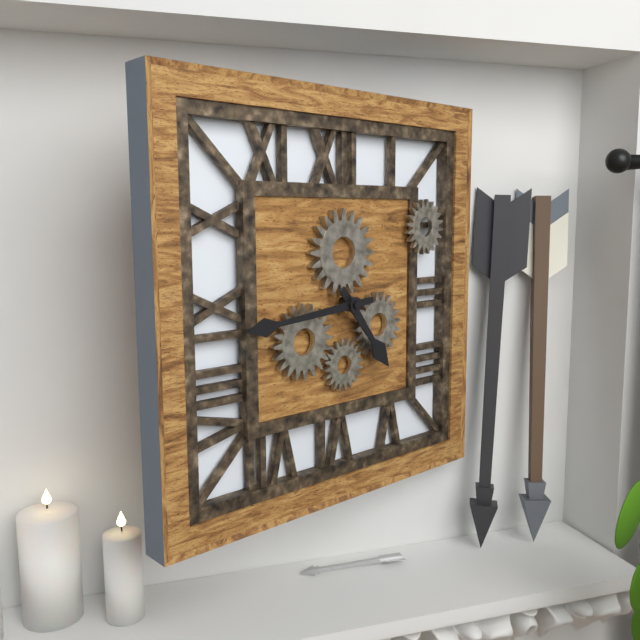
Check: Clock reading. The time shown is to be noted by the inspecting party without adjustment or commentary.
4:44
